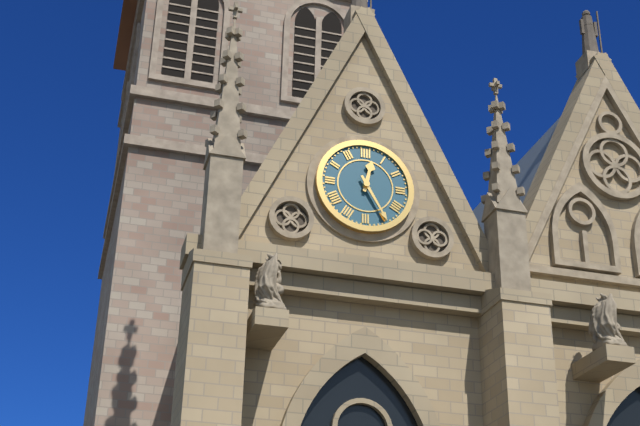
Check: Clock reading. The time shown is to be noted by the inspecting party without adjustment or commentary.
12:25
